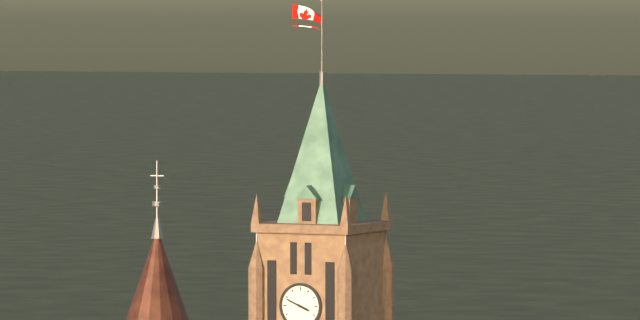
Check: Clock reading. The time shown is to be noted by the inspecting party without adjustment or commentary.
3:49
